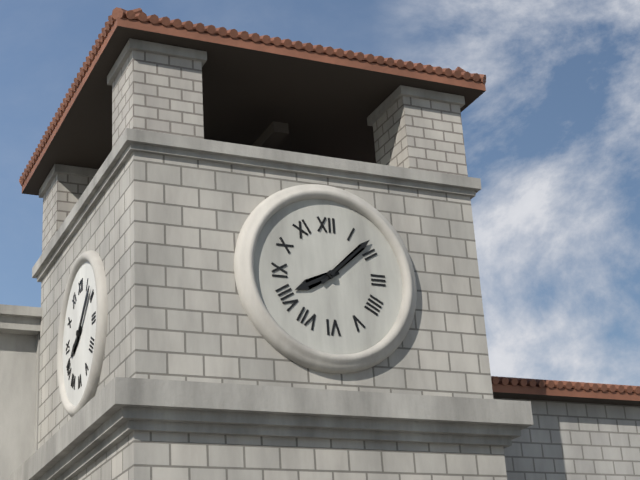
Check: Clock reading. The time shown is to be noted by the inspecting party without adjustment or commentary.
8:08
